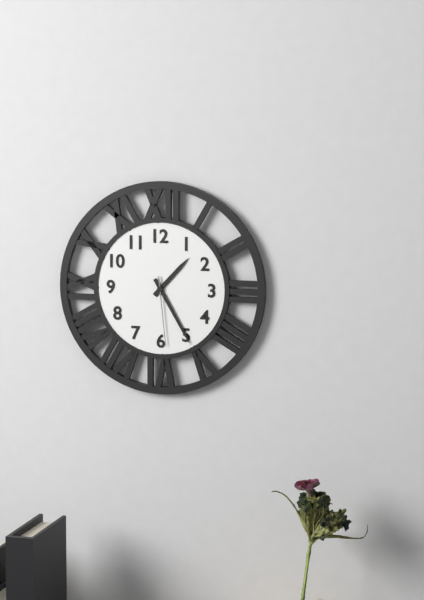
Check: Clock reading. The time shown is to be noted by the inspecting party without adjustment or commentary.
1:25:29
